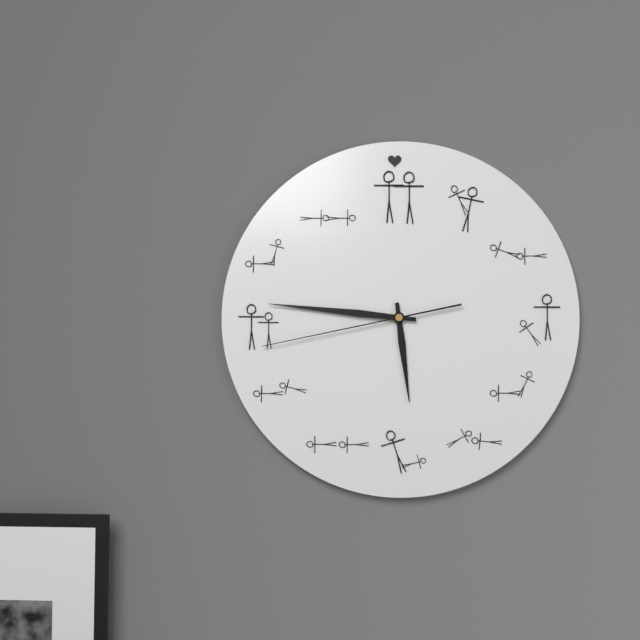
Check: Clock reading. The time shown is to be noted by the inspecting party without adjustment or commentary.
5:46:43
